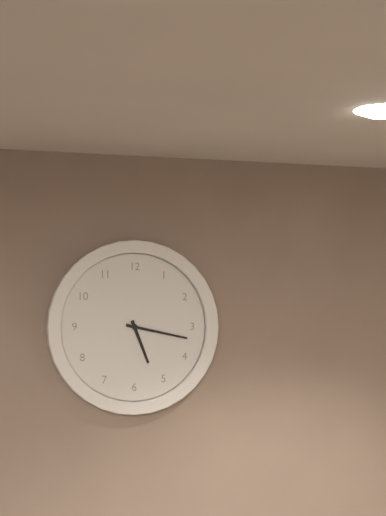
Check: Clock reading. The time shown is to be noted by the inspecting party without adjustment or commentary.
5:17
